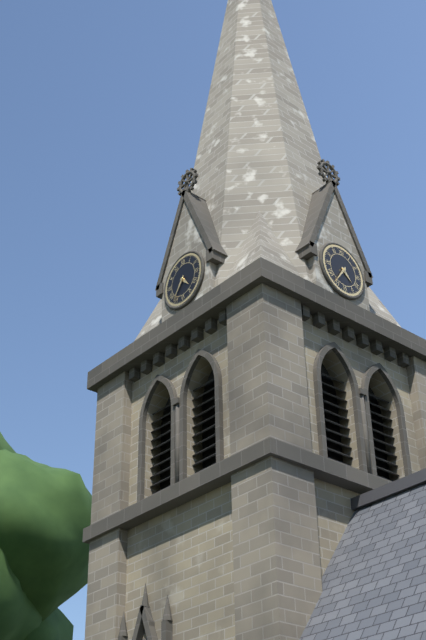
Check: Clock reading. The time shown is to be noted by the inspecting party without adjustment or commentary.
4:36
